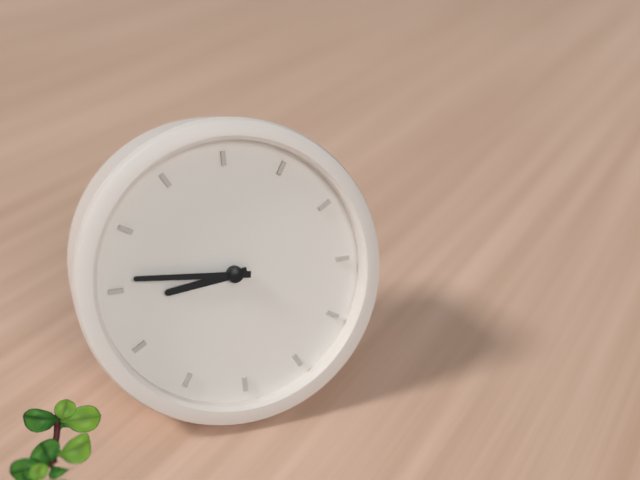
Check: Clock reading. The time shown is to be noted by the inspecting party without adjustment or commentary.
8:46
